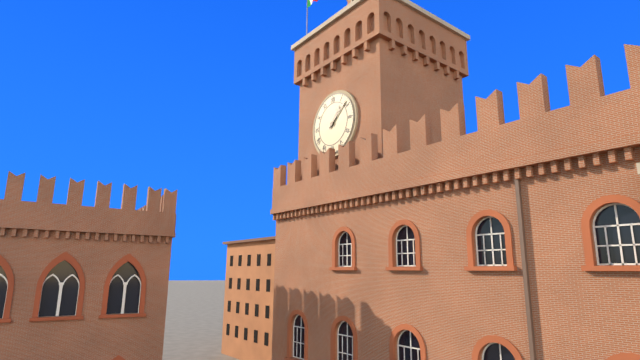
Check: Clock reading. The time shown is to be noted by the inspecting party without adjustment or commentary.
1:08
